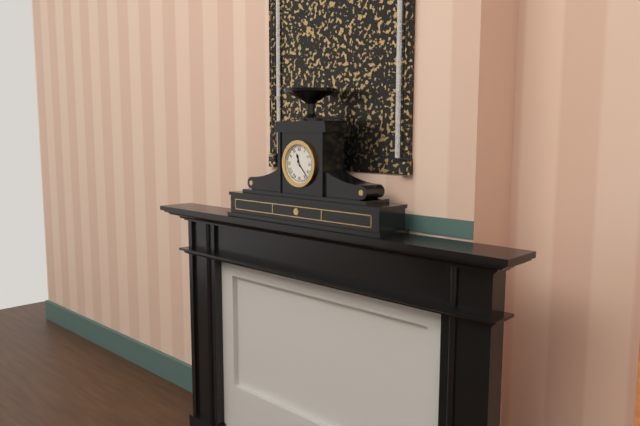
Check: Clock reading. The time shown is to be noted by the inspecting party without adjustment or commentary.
11:23
